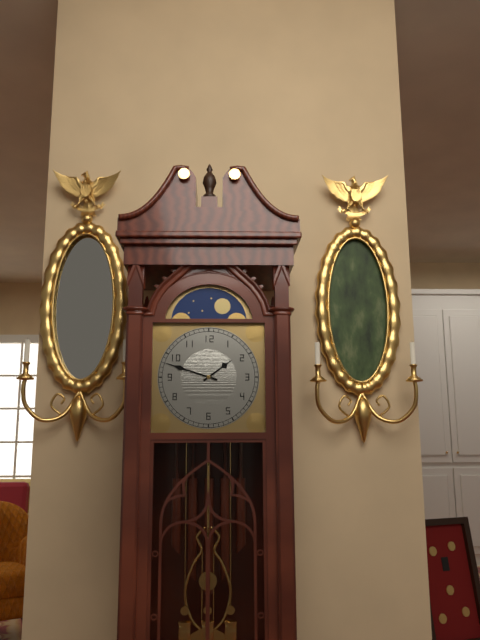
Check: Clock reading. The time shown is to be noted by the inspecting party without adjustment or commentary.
1:48
